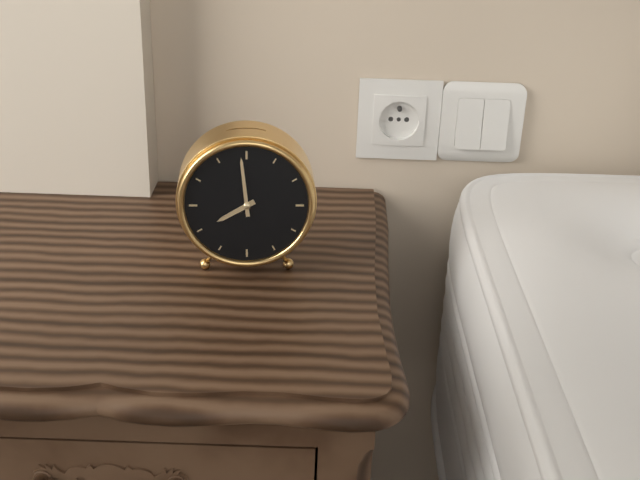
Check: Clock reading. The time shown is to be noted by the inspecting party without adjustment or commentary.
7:59
